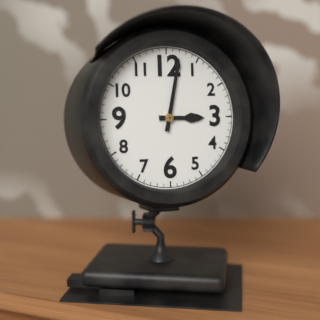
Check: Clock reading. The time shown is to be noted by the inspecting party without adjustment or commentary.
3:02
